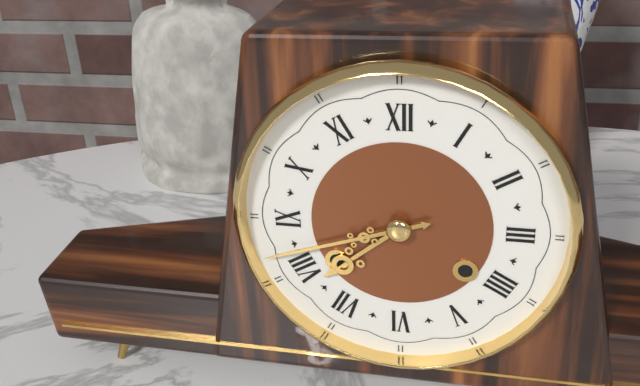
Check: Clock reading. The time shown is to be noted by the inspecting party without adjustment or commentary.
7:42
